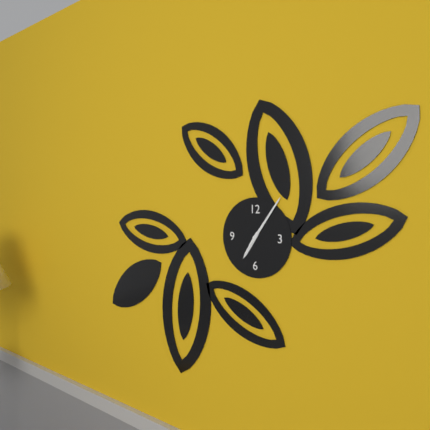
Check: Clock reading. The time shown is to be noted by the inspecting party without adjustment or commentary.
7:06
